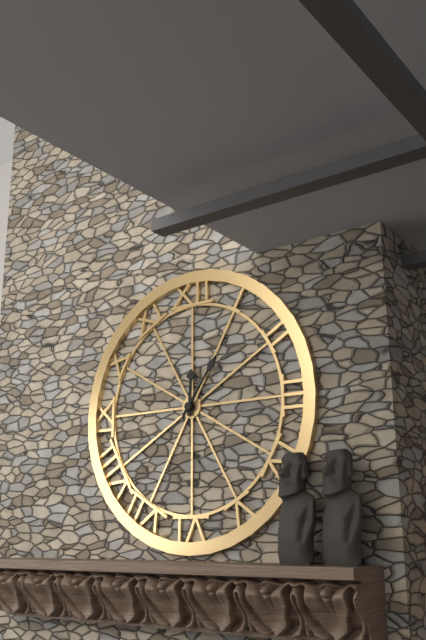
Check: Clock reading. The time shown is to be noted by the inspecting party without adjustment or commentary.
12:06
